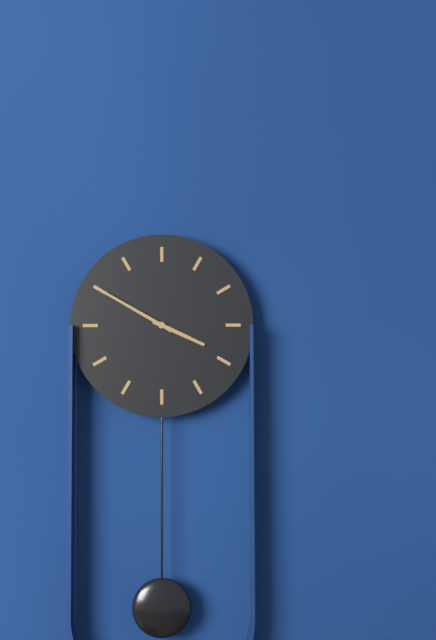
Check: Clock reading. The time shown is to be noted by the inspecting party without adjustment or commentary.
3:50
